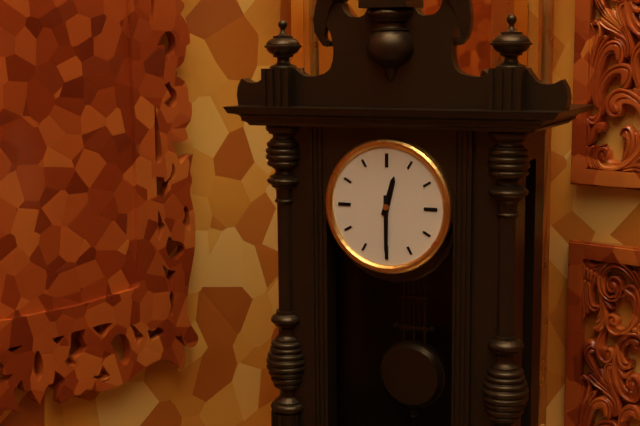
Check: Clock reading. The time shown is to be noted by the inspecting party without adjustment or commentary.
12:30
